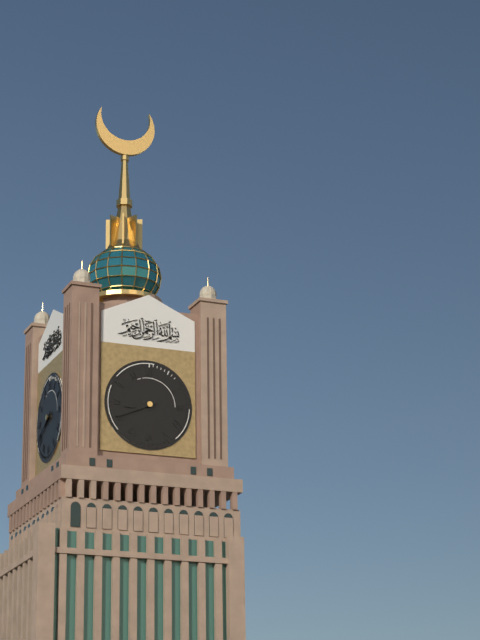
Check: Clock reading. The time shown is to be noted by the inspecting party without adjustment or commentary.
8:41
